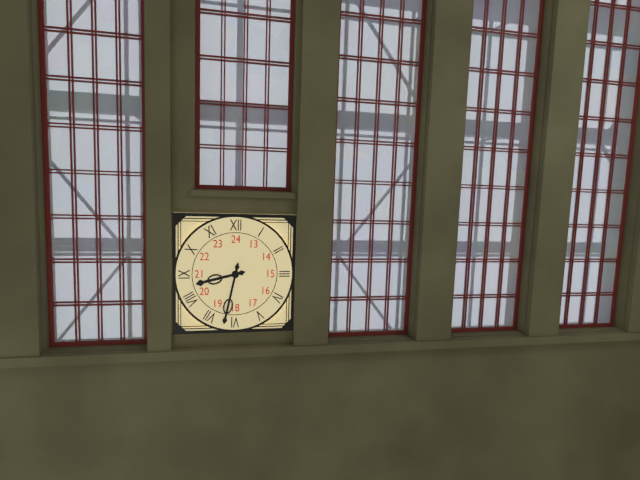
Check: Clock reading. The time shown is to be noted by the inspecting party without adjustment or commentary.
8:32
